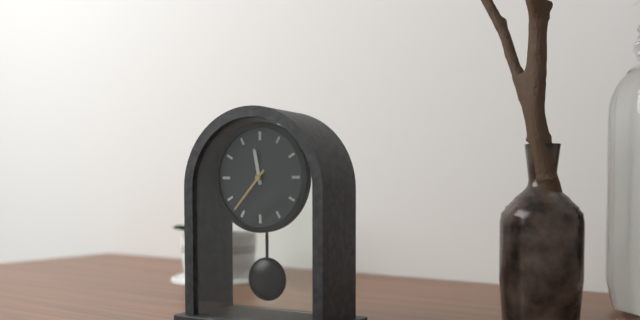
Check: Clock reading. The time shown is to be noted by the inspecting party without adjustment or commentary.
11:37
